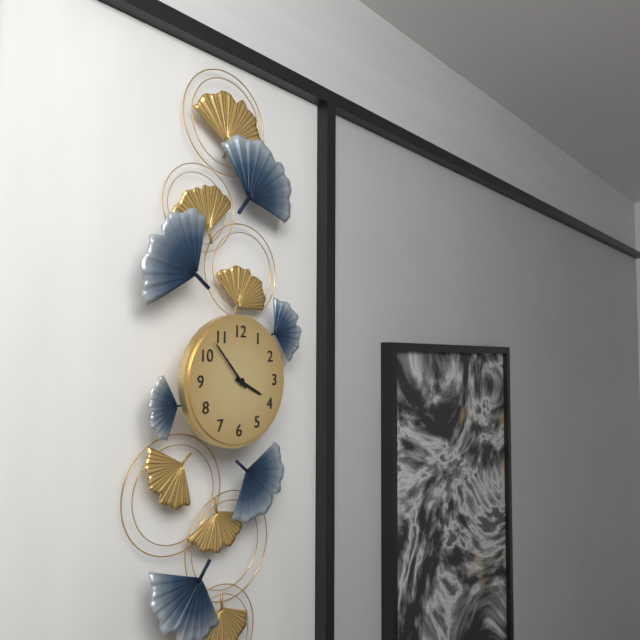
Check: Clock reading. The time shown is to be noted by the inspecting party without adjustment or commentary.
3:53
